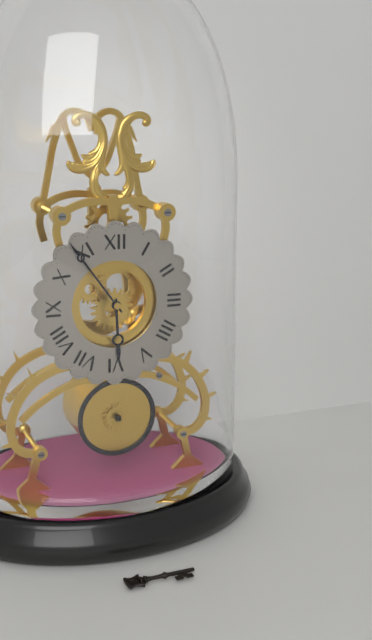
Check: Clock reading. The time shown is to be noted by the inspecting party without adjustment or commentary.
5:54
